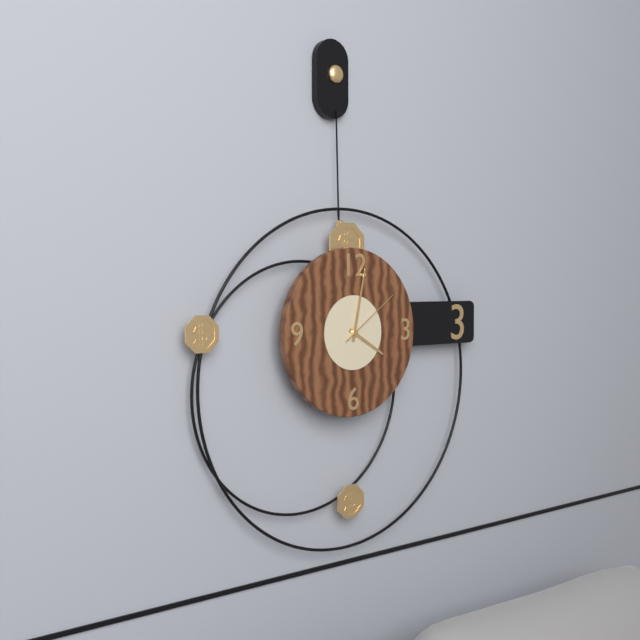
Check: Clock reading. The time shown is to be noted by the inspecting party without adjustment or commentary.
4:02:09
